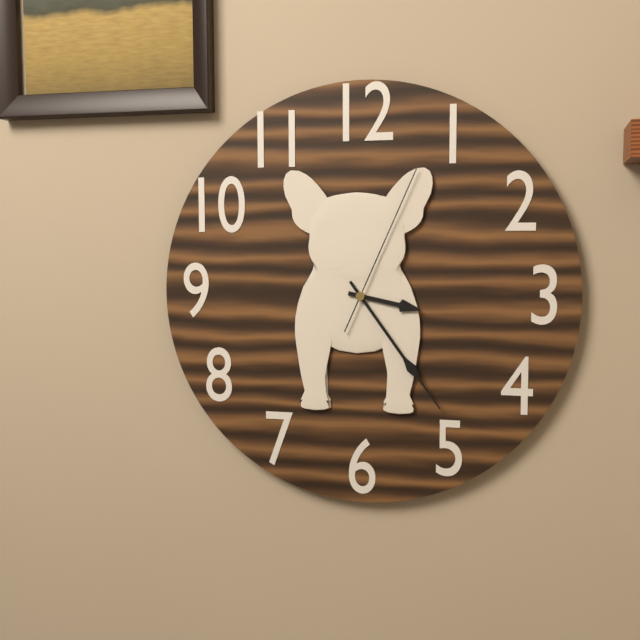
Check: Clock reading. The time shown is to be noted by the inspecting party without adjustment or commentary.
3:24:04
